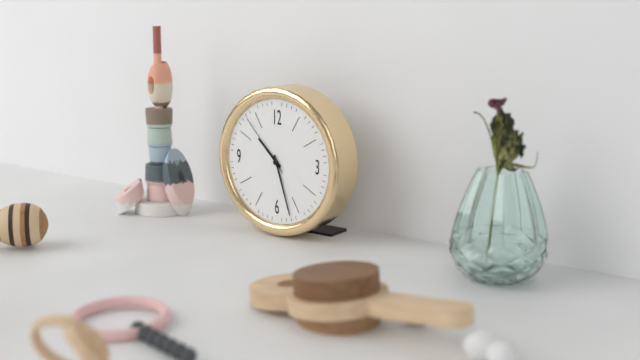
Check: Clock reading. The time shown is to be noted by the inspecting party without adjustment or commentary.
10:27:53
